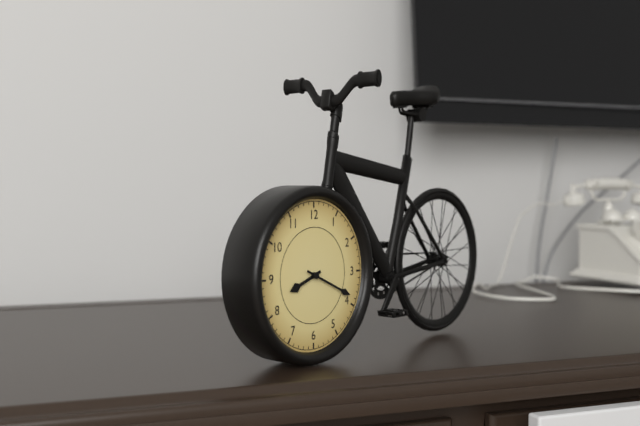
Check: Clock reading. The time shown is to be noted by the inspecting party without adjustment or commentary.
8:19
